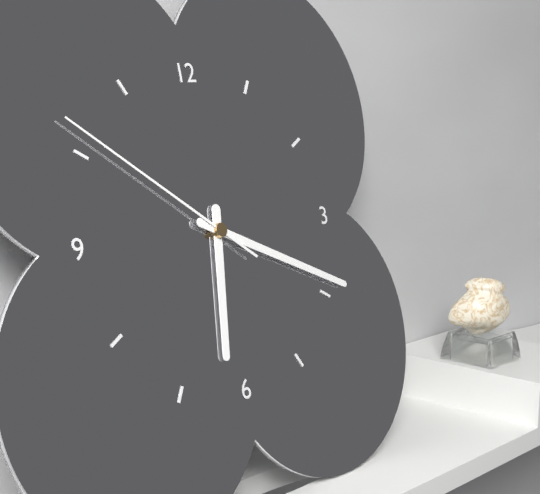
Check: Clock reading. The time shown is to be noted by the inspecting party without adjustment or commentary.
6:19:51
